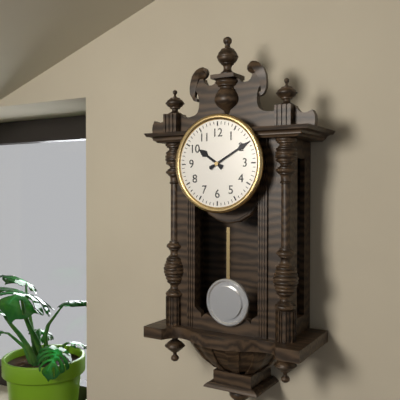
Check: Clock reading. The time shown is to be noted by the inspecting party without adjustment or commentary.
10:10
